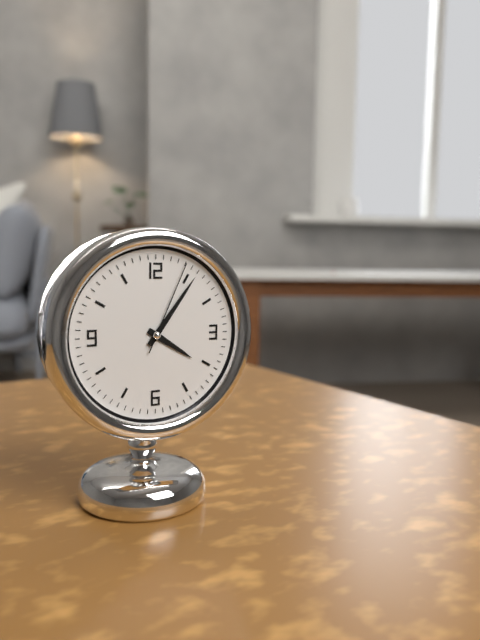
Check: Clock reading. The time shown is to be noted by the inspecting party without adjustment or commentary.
4:06:04
